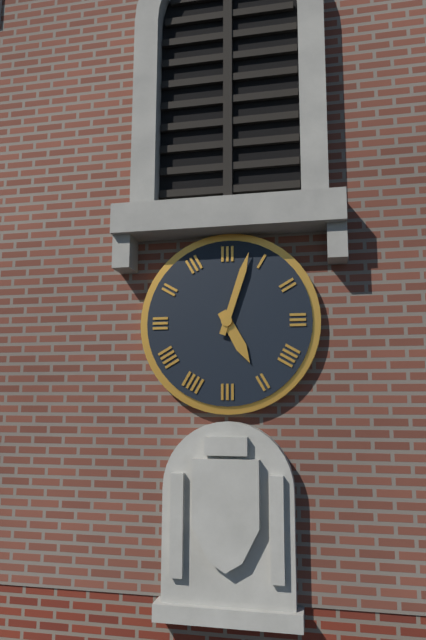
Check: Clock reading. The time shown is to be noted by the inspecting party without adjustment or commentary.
5:03
